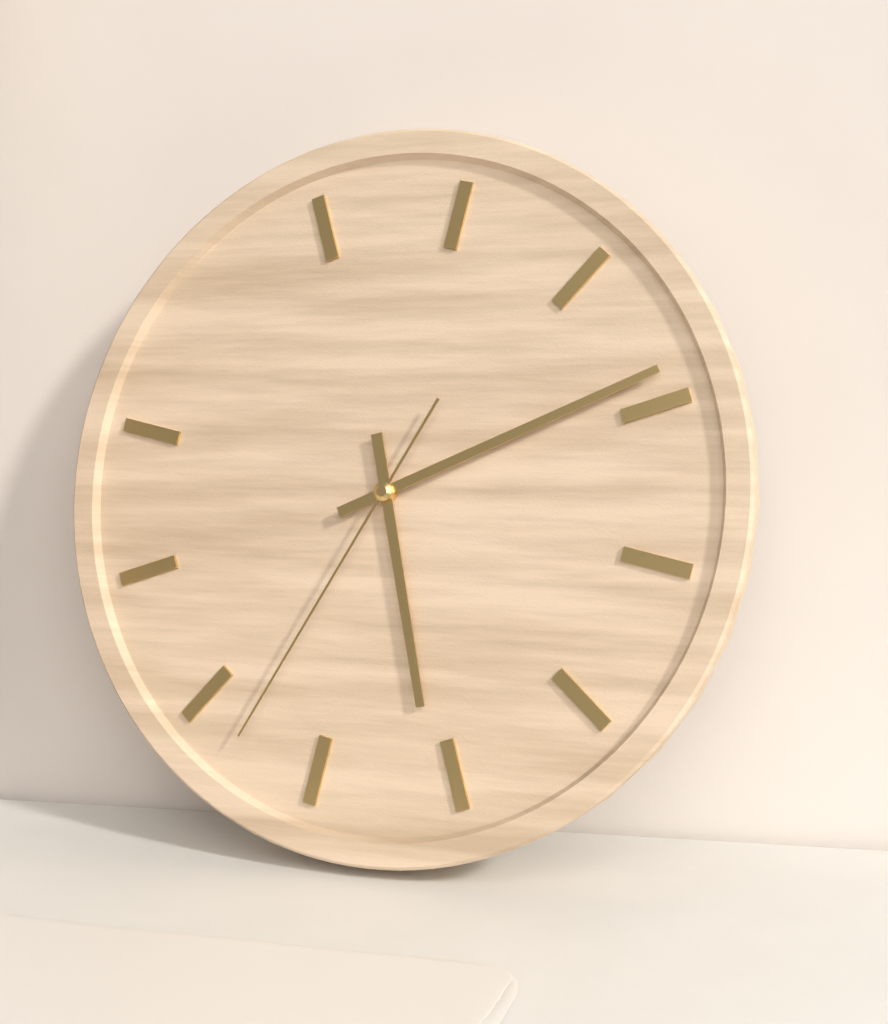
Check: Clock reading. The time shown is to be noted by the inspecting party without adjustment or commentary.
5:09:33
